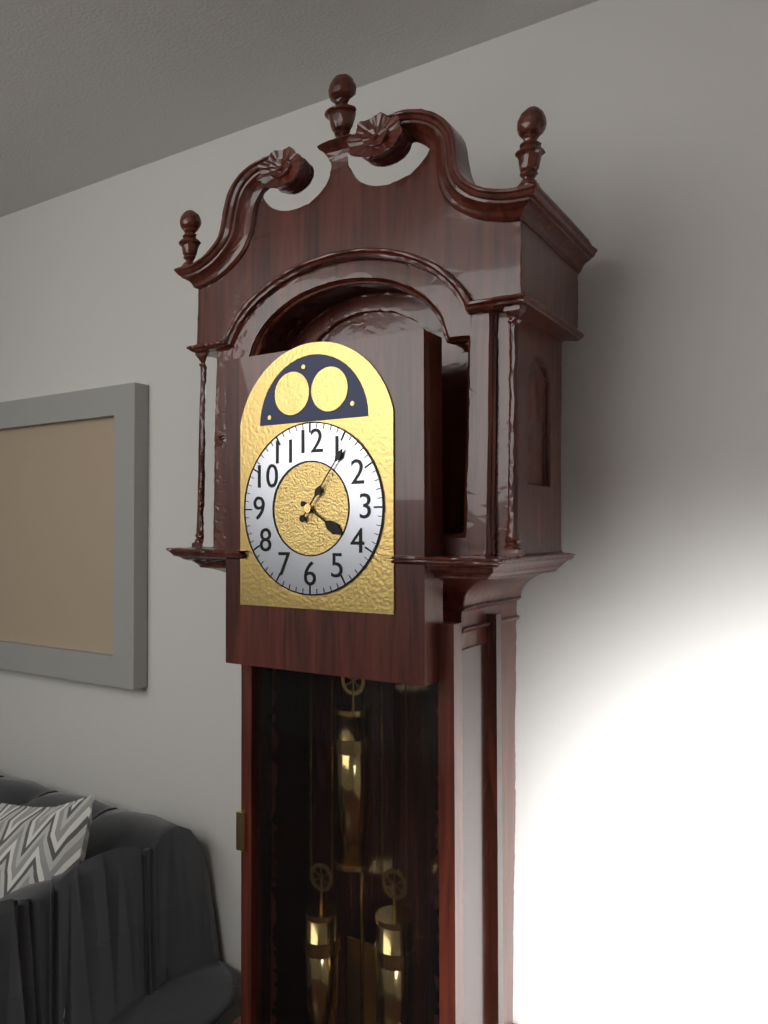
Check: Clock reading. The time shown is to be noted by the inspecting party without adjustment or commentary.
4:06
